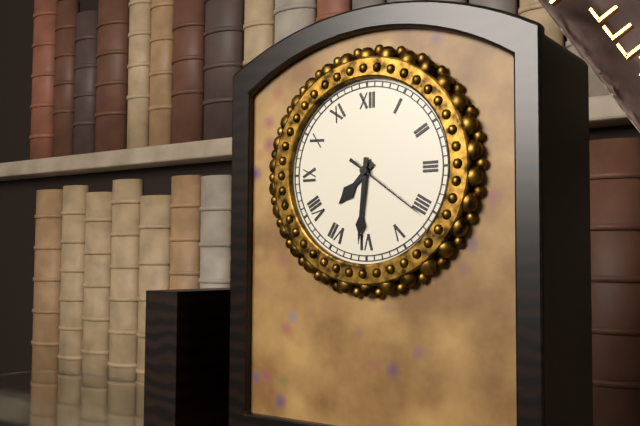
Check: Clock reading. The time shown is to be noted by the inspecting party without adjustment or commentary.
7:31:21
